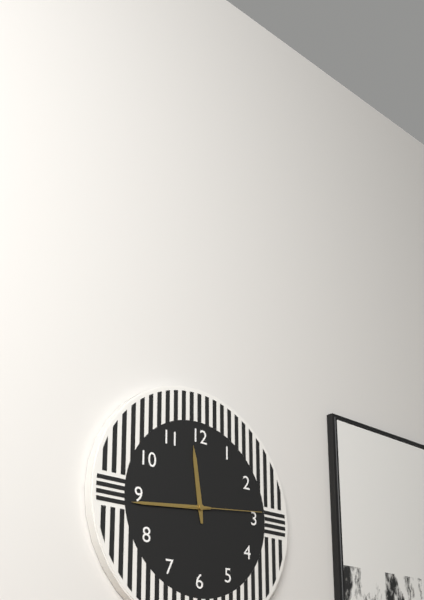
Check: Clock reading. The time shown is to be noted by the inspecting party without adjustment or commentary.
11:44:14
